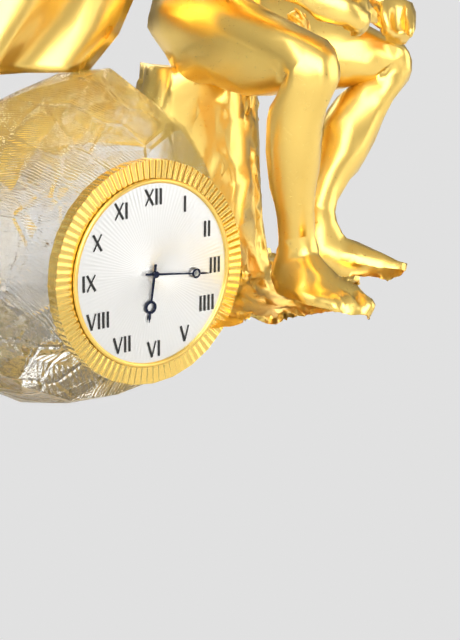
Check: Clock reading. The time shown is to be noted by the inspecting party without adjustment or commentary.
6:16
